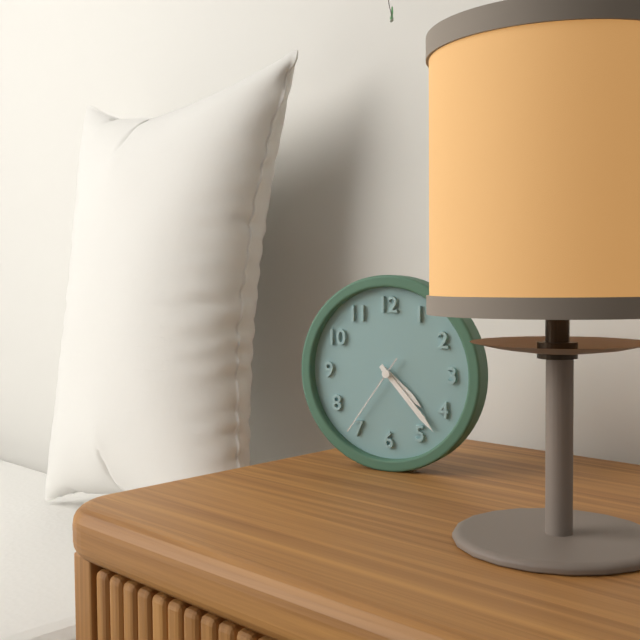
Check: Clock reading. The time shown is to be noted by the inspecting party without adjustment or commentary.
4:23:36
